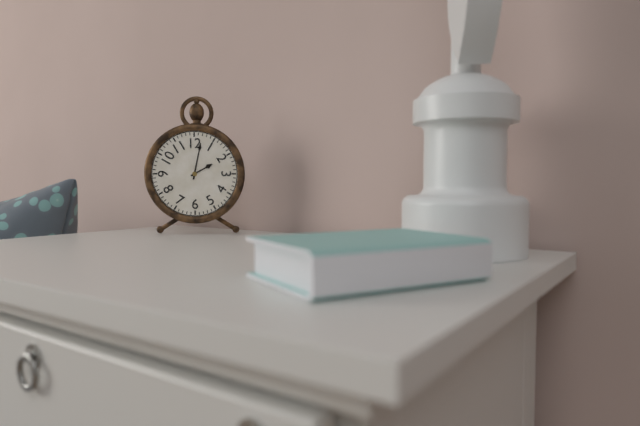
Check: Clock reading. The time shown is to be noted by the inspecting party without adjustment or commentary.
2:02
